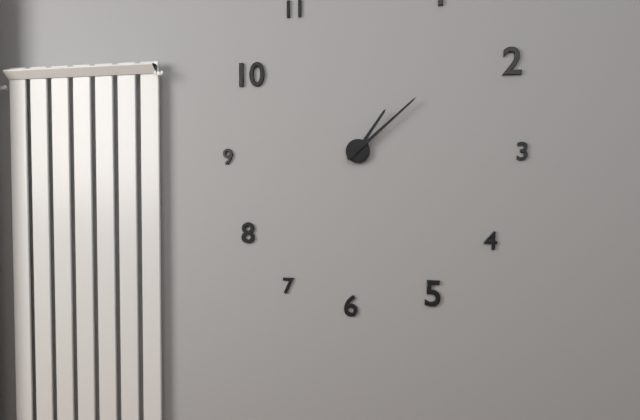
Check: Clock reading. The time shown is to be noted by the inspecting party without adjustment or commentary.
1:08
